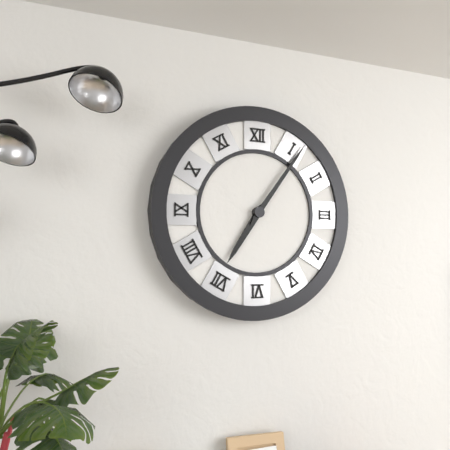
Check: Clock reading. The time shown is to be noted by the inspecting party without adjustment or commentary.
7:06
